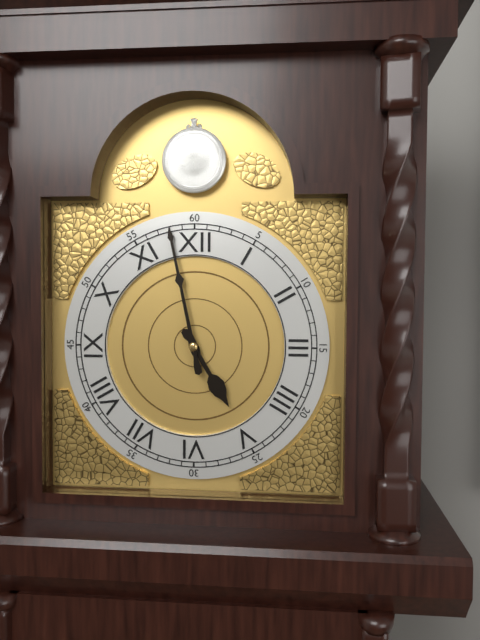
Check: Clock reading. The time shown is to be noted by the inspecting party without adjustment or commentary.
4:58
